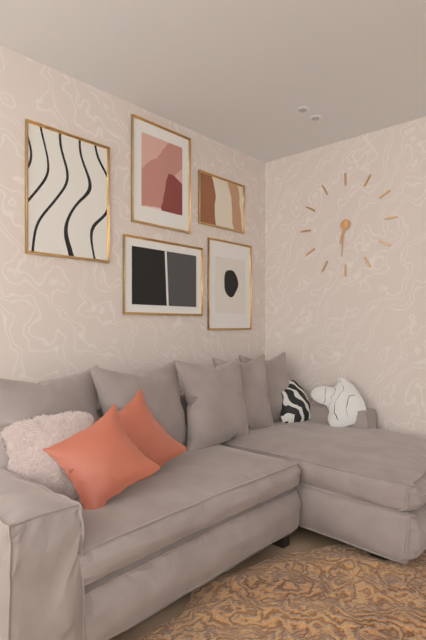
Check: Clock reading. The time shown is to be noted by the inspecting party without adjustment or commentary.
6:31
